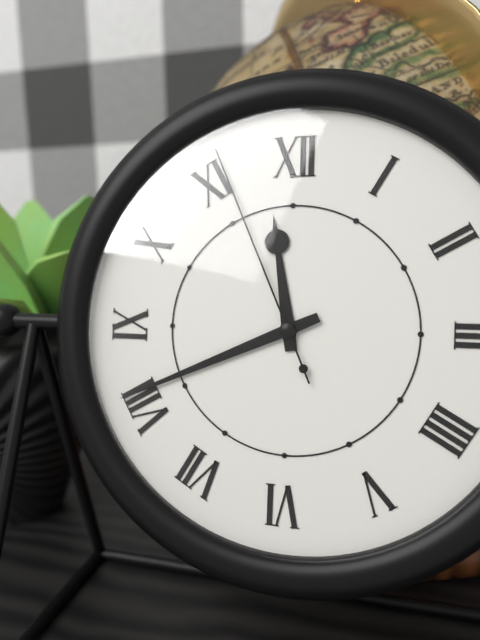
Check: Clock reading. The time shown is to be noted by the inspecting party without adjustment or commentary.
11:41:56
